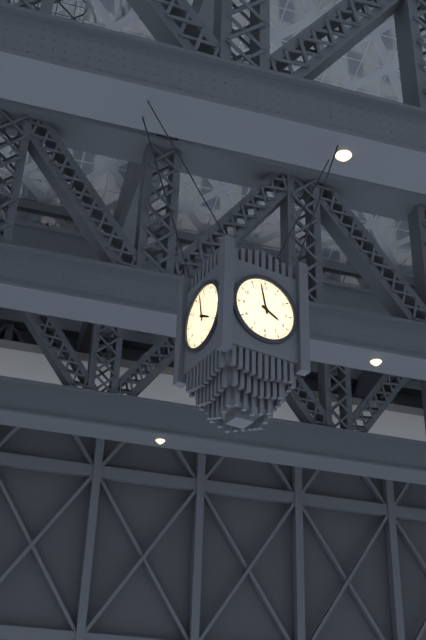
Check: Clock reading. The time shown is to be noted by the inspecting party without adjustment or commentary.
3:58
